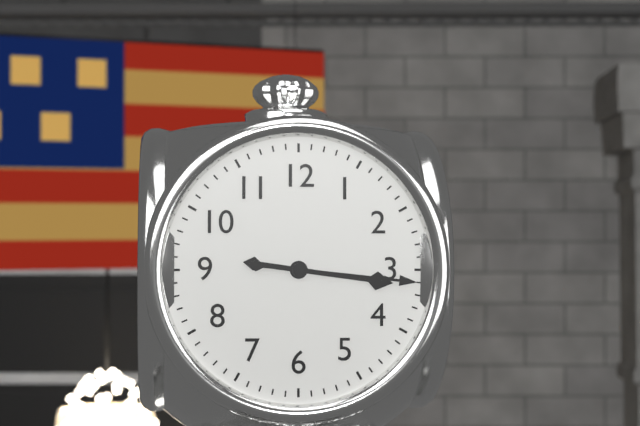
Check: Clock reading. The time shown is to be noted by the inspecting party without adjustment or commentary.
3:16
